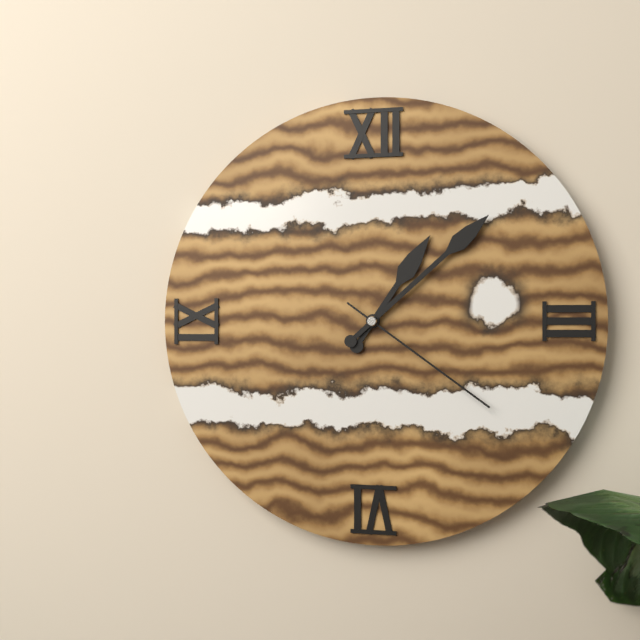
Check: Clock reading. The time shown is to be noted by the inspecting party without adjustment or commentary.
1:08:21
